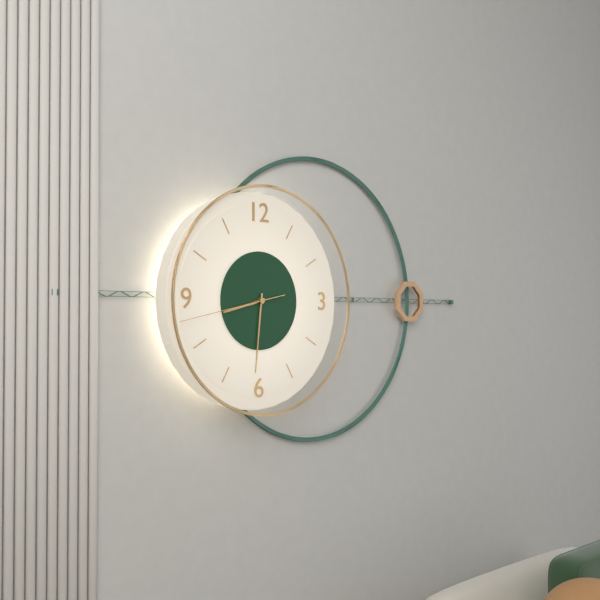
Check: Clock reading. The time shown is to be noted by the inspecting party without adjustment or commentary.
8:31:43
